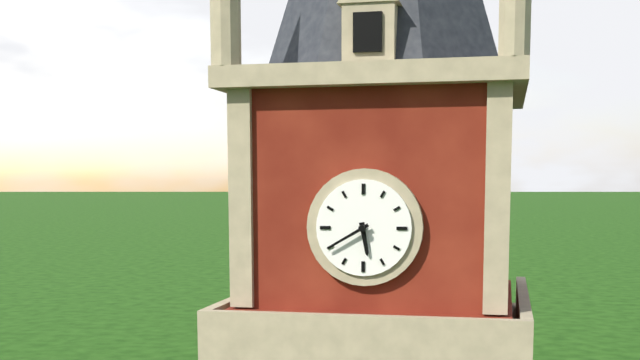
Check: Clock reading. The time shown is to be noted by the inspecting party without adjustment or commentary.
5:40
